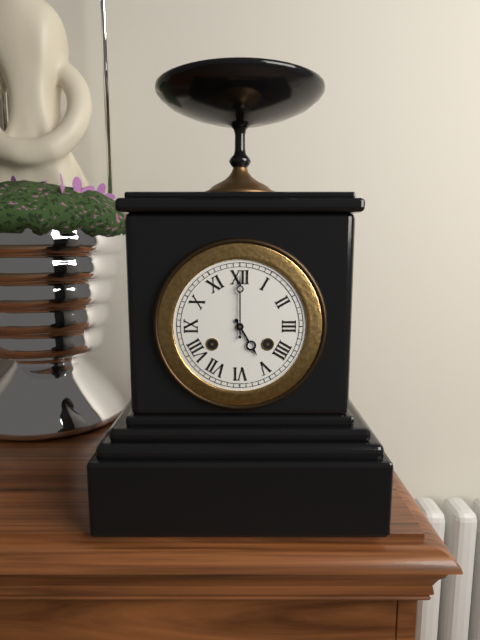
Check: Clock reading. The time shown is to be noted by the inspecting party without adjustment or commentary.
5:00
